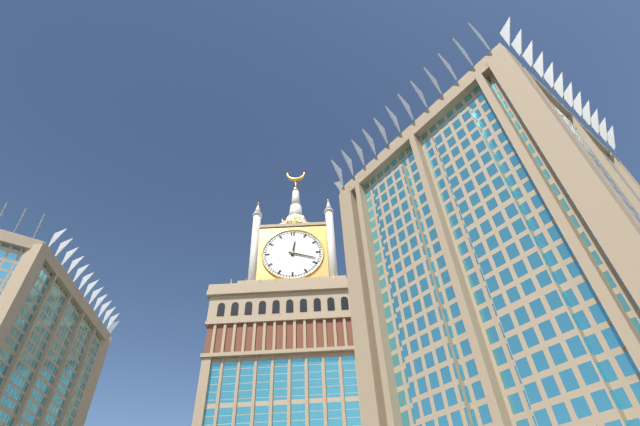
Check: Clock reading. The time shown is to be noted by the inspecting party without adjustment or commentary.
12:18
